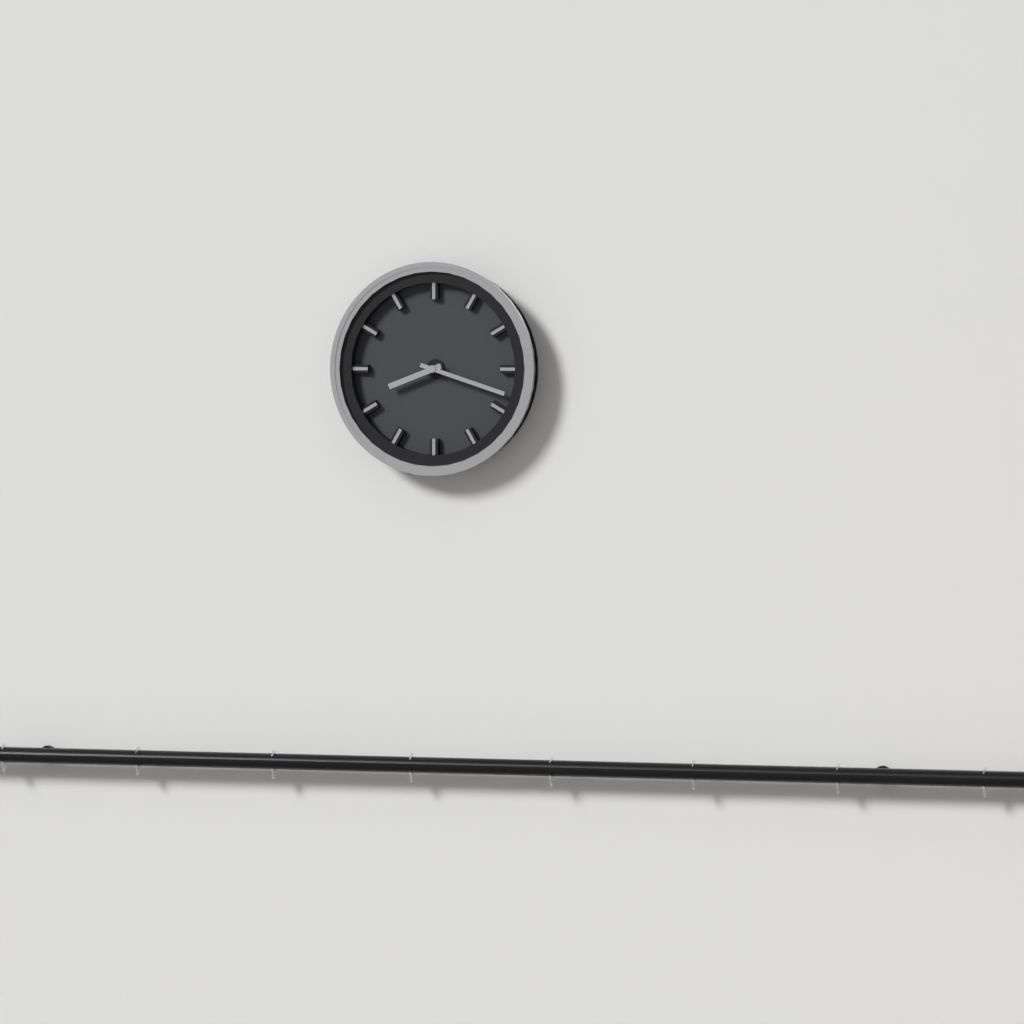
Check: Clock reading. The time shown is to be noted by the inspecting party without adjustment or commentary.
8:18
